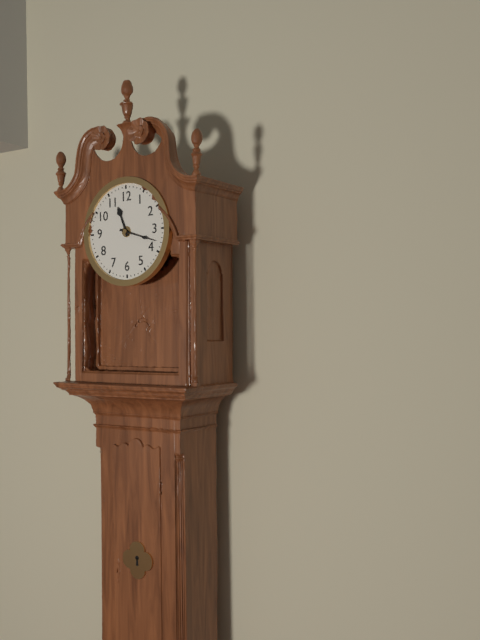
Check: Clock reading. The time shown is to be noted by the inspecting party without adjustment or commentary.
11:18
